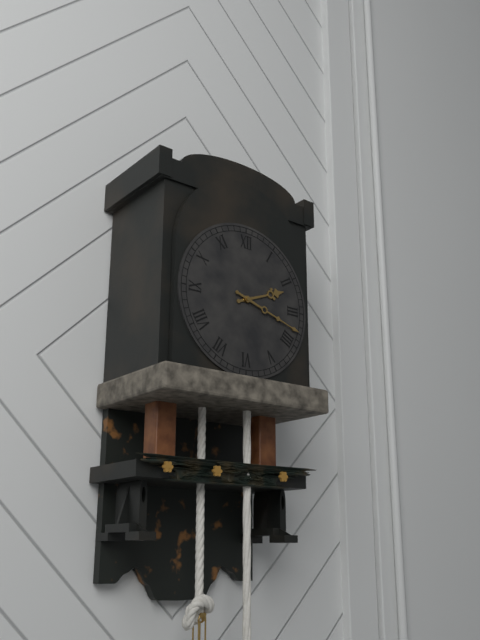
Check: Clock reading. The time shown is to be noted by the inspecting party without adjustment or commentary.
2:18
